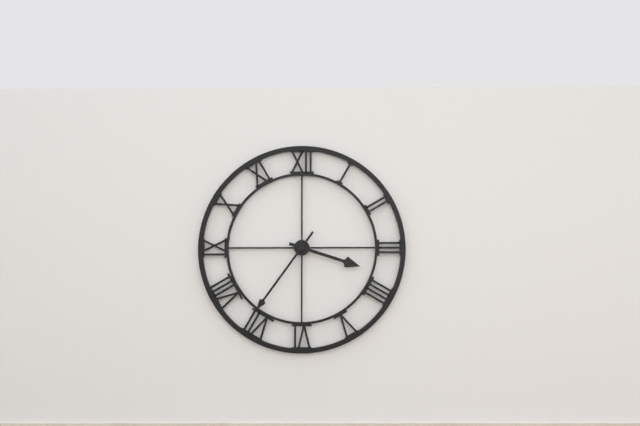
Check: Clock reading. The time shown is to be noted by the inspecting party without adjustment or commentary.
3:36
